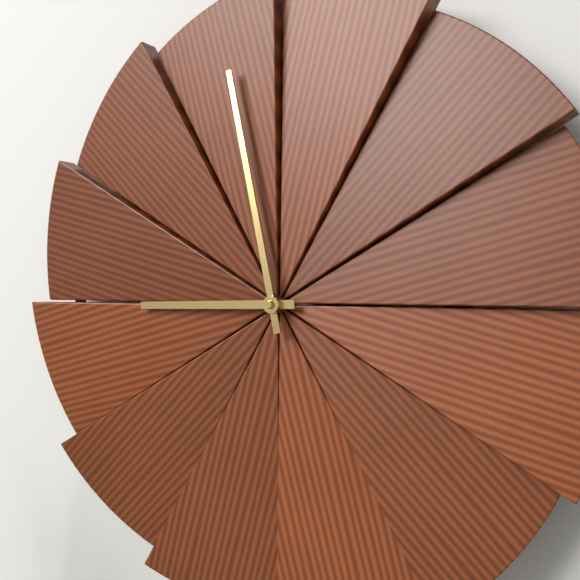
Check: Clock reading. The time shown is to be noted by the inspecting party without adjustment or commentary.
8:58
